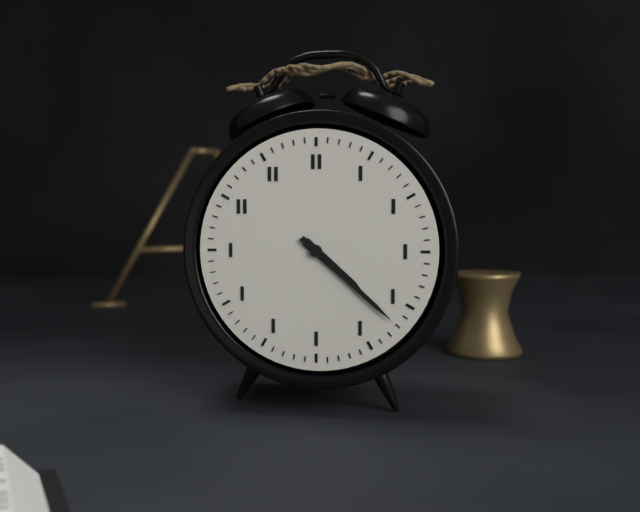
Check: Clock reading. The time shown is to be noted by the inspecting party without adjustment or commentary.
4:22
